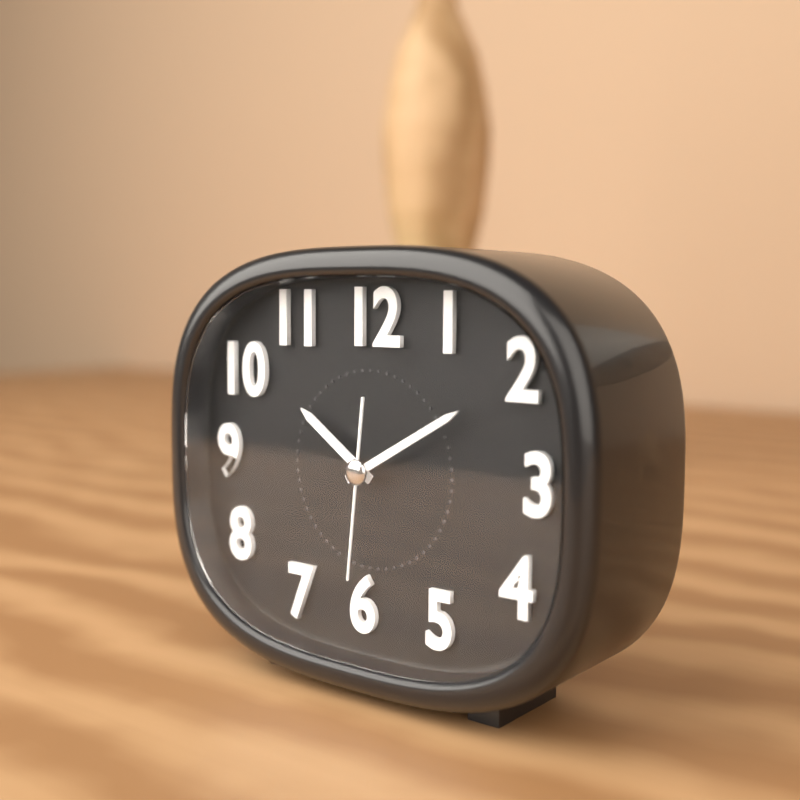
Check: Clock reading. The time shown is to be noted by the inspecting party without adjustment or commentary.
10:10:31
